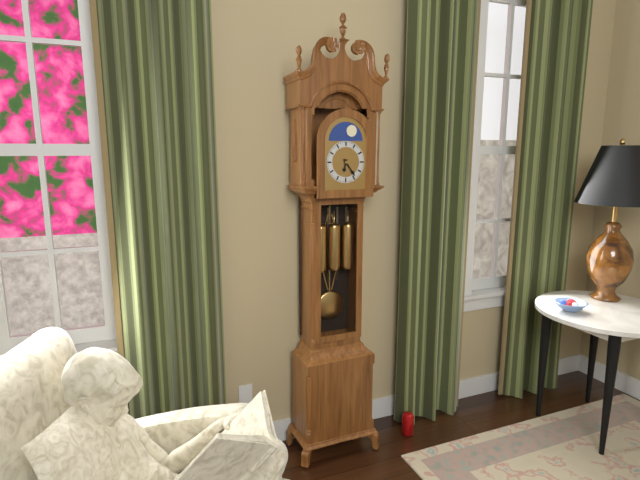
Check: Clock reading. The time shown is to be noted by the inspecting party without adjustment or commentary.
6:24
